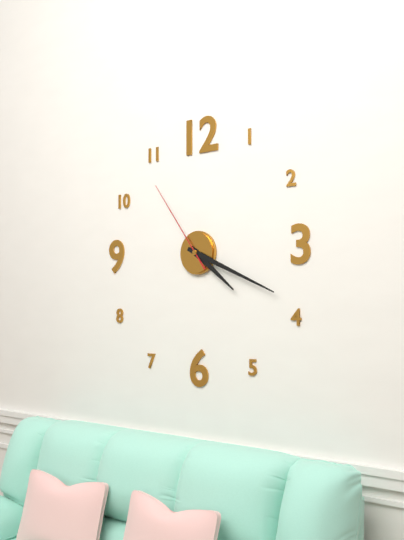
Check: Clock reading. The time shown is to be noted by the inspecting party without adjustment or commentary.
4:19:54
